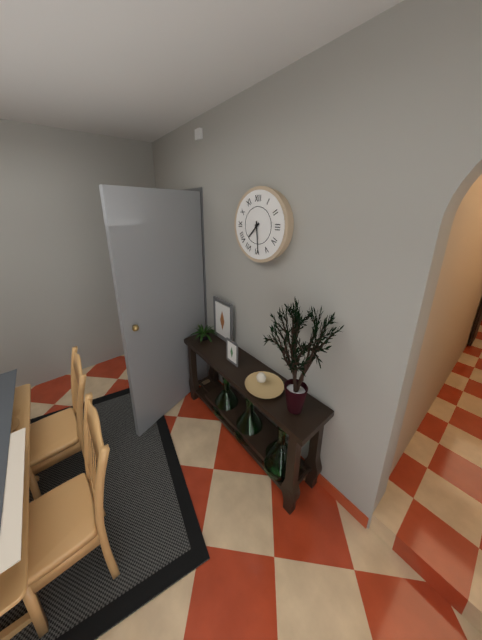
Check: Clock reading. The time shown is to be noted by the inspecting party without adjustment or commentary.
7:29
